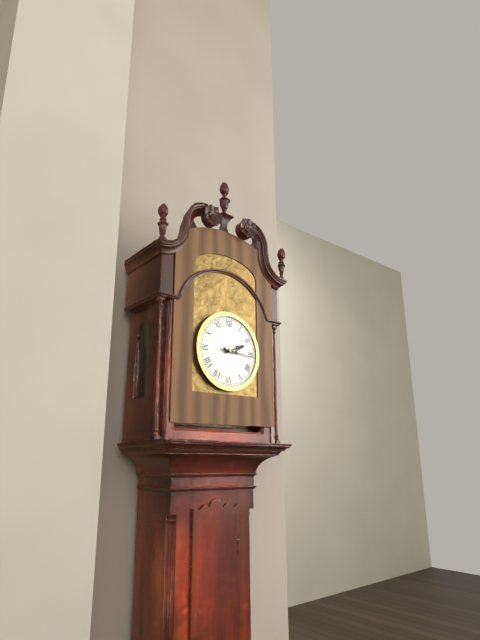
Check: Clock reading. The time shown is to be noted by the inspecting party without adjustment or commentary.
2:16
